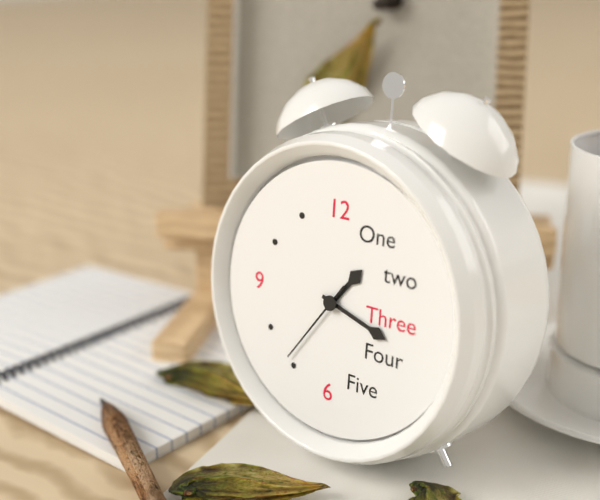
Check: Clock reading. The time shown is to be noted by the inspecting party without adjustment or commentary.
1:18:36
